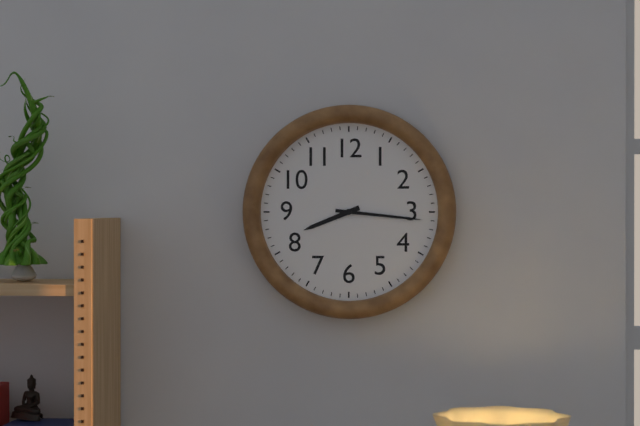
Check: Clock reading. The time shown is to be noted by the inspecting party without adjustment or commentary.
8:16
